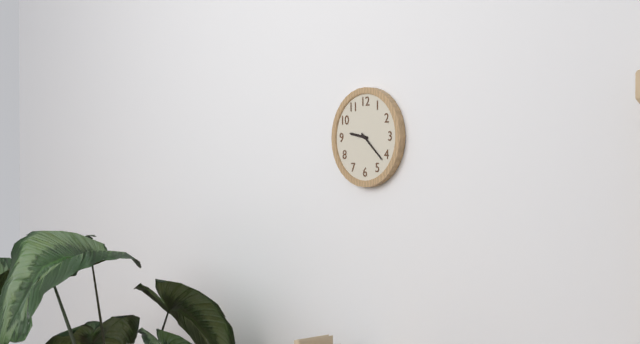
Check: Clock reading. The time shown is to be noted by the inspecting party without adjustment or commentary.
9:22
